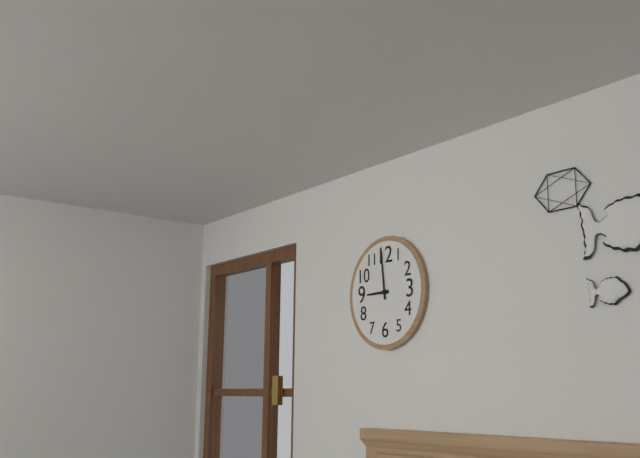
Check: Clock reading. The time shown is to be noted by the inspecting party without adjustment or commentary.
8:59
